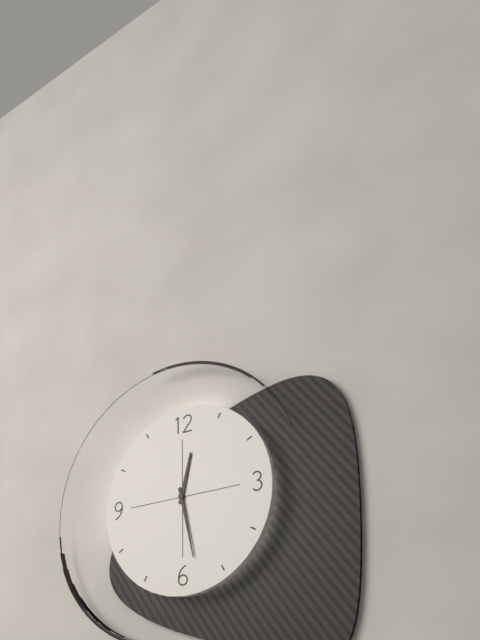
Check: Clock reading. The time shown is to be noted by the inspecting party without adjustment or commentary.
12:28
